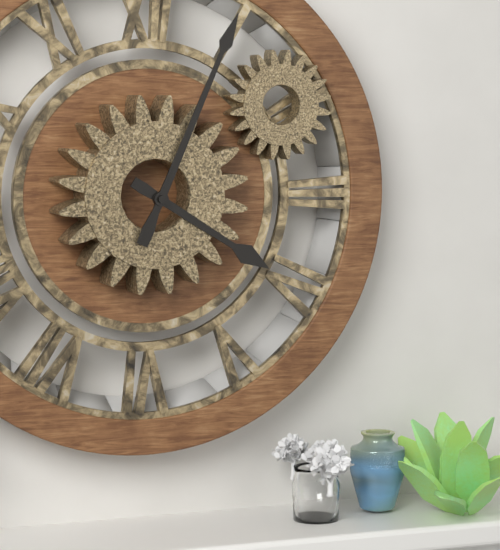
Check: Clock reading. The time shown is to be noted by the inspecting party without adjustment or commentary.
4:04
